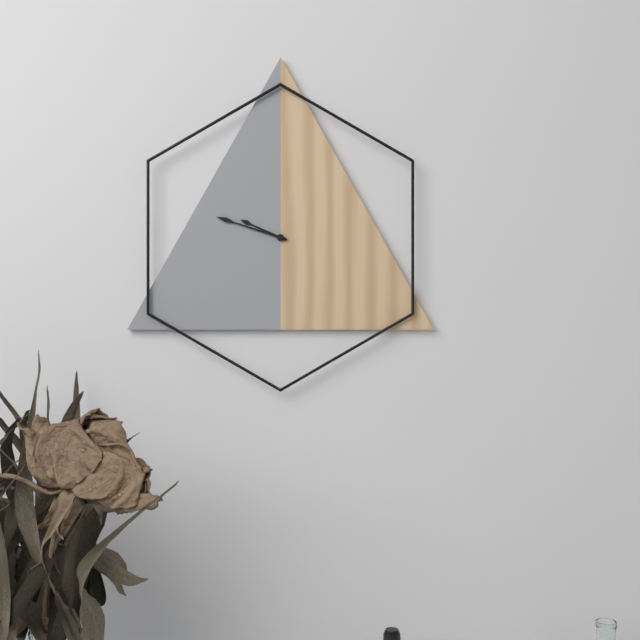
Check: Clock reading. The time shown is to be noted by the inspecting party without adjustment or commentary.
9:48
